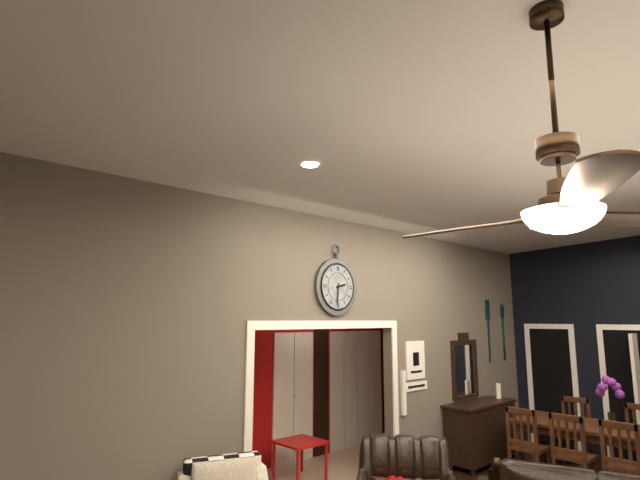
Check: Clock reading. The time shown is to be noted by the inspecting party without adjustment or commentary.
2:31
